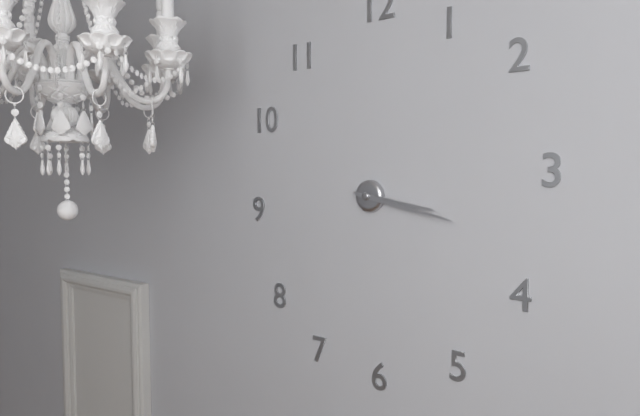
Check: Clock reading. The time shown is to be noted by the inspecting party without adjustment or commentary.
3:17
